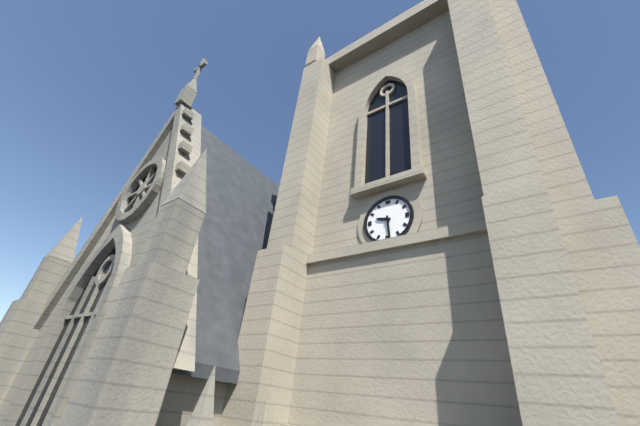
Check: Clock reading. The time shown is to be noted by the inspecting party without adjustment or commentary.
9:29
